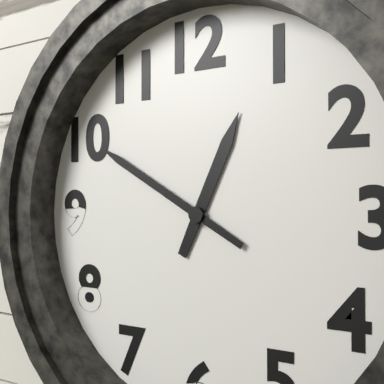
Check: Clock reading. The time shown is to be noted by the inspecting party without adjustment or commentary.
12:50
